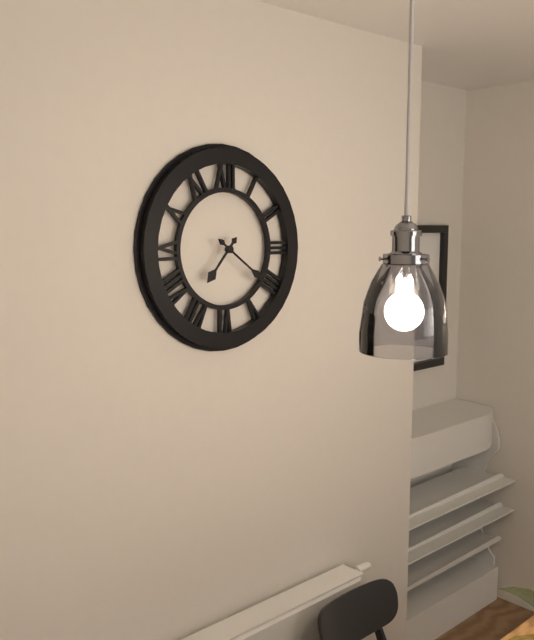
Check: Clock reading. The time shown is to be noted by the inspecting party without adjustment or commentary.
7:21
